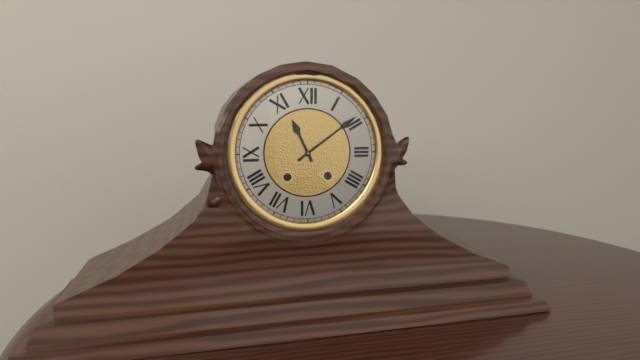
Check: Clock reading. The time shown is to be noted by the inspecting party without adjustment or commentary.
11:09
